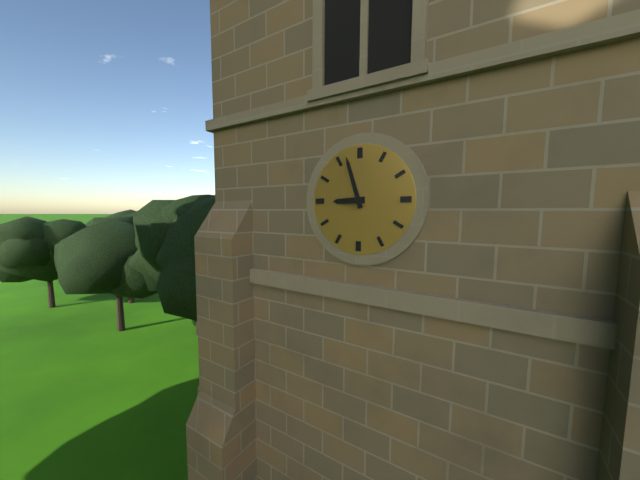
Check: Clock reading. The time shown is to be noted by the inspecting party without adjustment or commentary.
8:57
